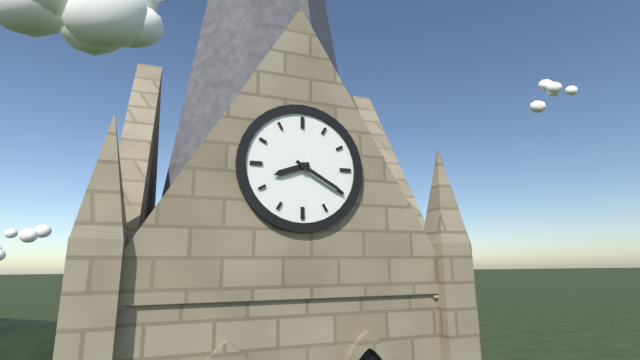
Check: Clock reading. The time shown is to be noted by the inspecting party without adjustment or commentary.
8:20
